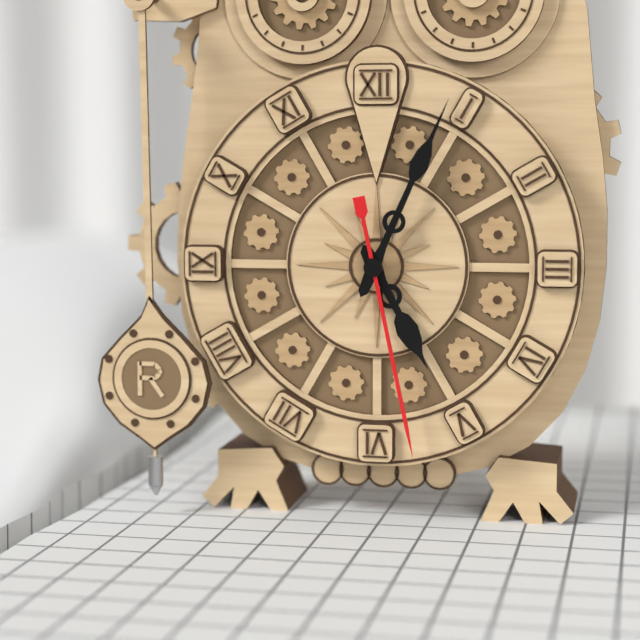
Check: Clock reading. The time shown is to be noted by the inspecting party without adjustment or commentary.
5:04:28
